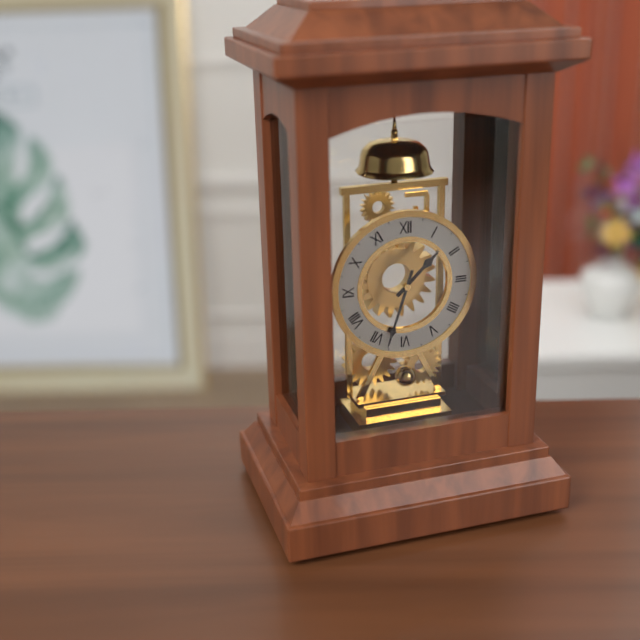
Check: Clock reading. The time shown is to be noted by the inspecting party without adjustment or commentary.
1:33
